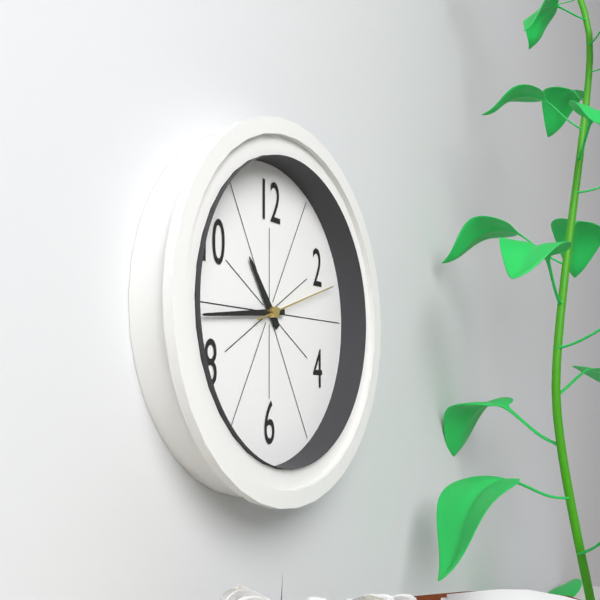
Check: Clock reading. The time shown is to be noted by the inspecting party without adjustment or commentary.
10:44:12
